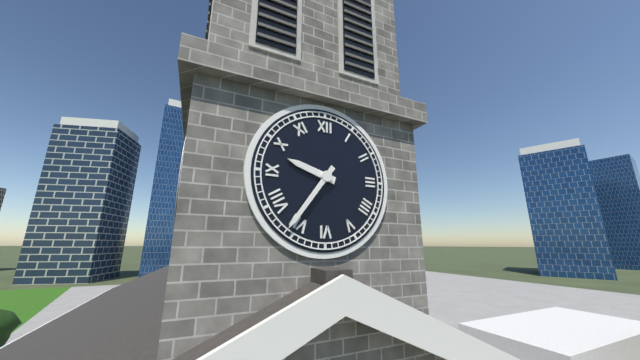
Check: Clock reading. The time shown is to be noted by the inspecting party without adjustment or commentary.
9:36
